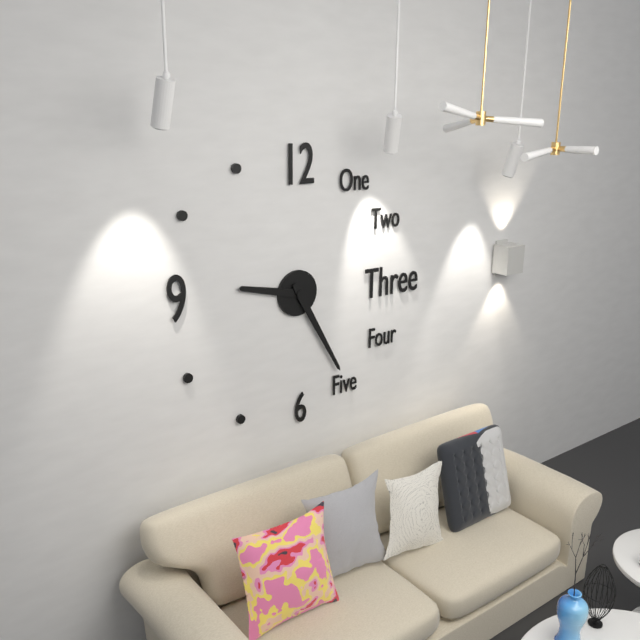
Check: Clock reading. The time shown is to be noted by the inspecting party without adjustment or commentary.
9:25
